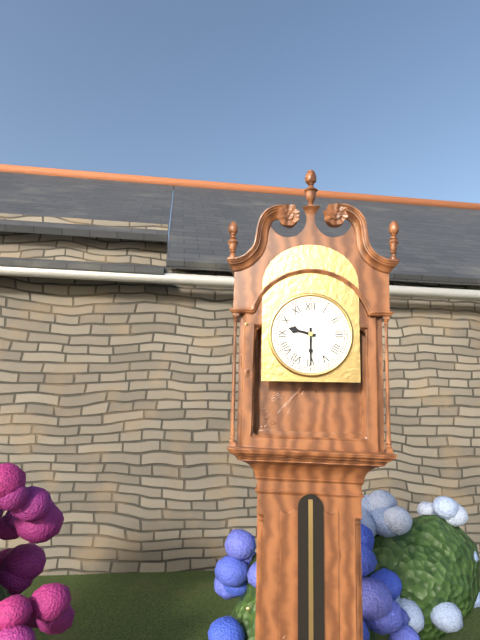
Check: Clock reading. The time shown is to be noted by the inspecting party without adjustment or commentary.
9:30
